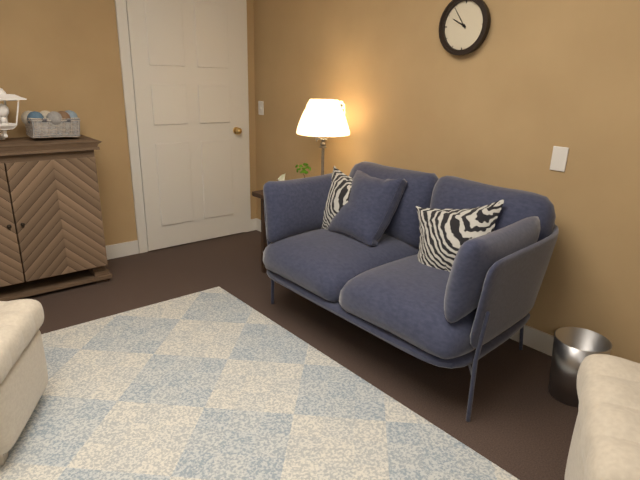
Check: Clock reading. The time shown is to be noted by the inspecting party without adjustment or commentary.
9:54
